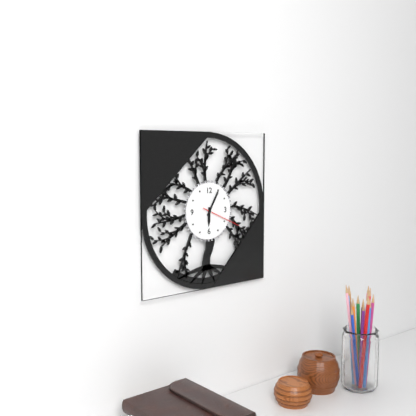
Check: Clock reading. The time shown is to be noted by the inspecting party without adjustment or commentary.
6:05
